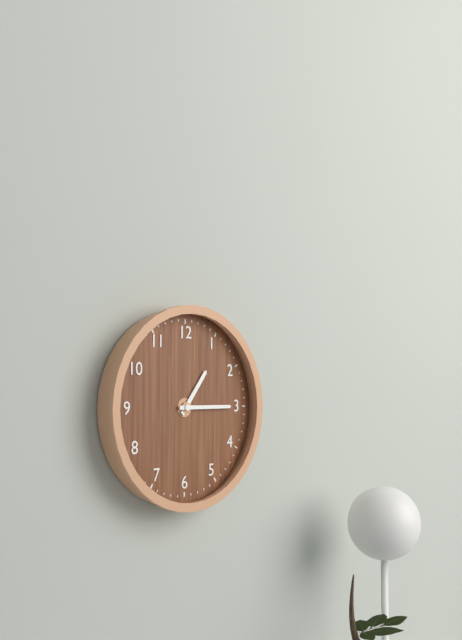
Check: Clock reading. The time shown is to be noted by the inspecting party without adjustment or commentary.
1:15
